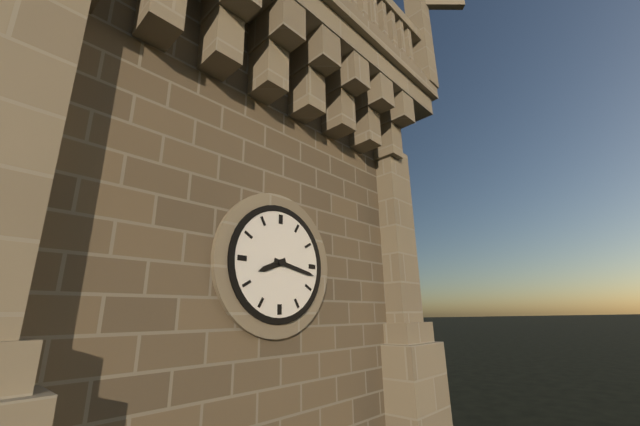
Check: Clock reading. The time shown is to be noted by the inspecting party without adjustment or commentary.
8:17
